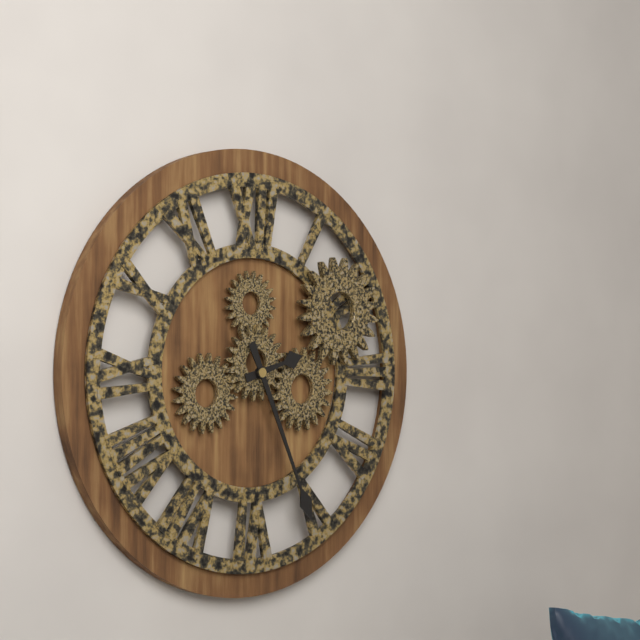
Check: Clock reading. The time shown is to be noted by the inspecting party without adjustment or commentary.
2:26
